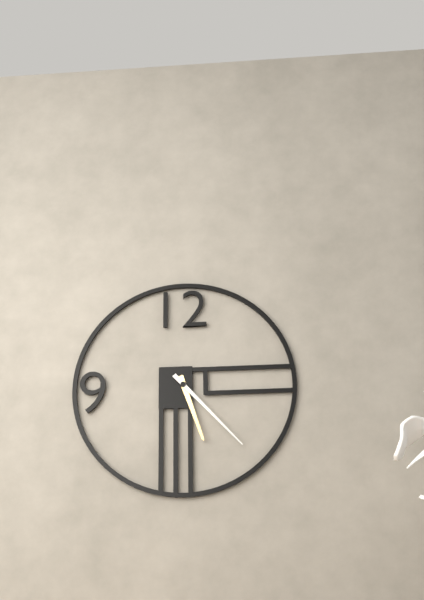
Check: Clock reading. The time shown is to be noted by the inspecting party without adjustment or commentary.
5:23
